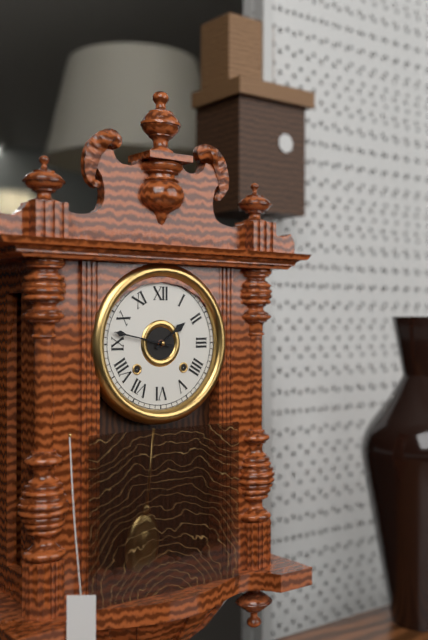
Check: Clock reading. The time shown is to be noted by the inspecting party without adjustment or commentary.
1:47
